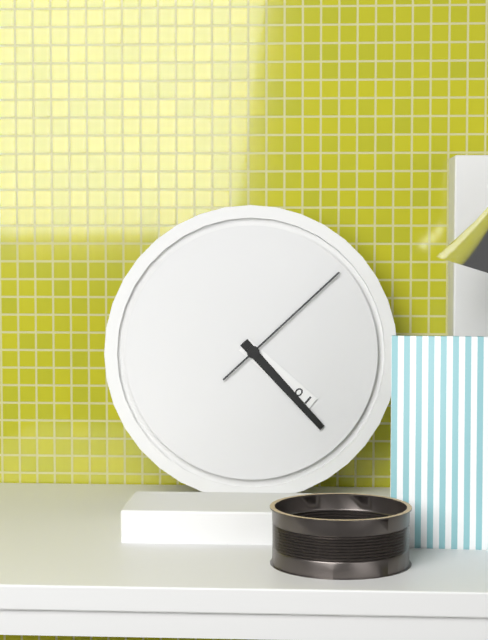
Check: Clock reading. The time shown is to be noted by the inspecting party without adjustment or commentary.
4:23:08
